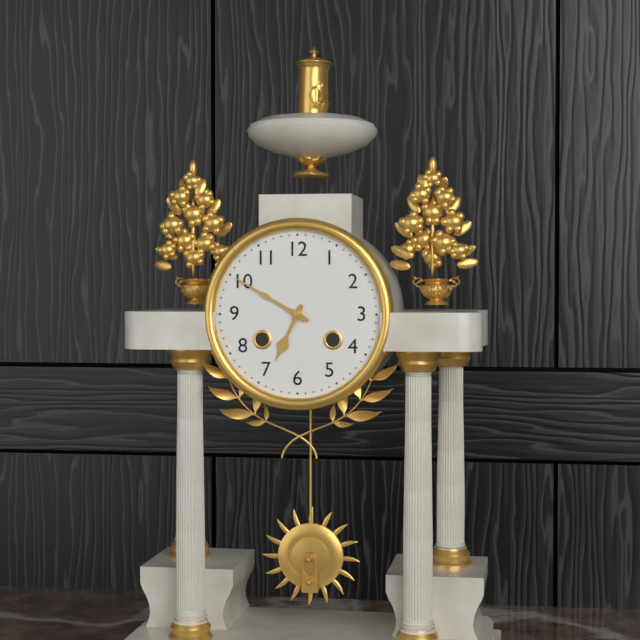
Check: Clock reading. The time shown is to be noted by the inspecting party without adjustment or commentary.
6:50
